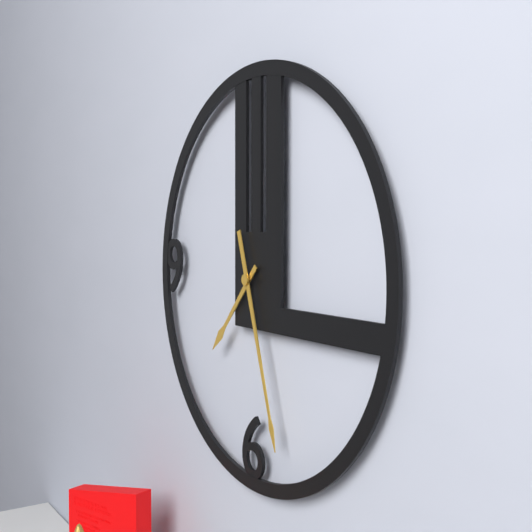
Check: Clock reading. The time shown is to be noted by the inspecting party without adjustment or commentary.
7:27
